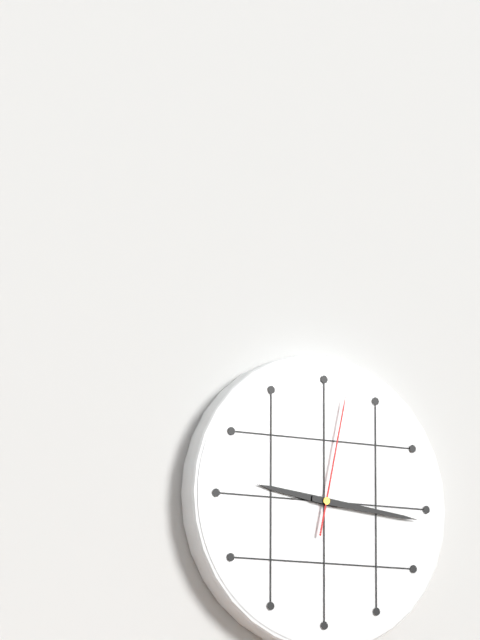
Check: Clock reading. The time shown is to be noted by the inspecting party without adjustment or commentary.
9:16:02
